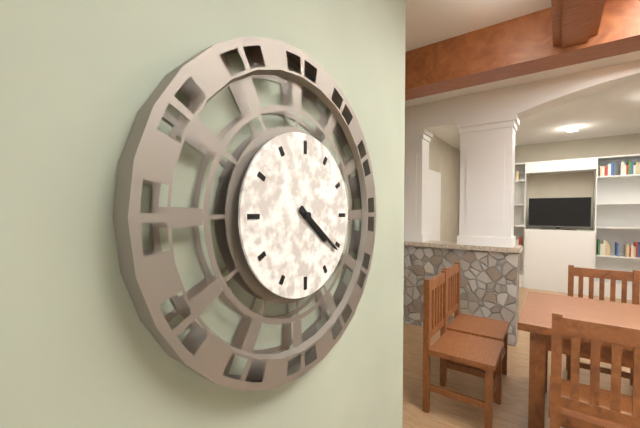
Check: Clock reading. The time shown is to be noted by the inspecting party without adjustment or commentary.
4:21
